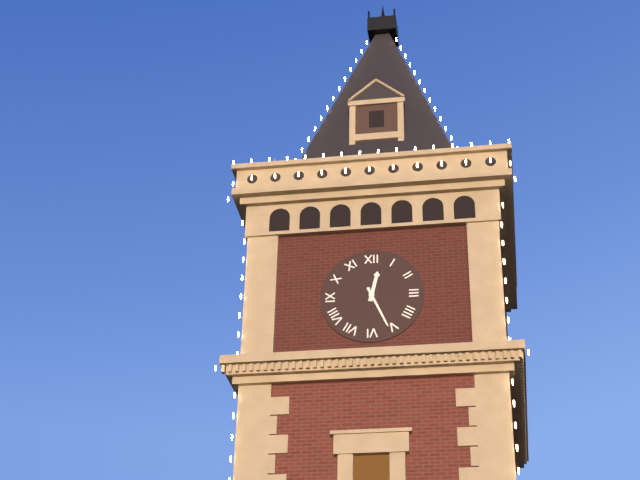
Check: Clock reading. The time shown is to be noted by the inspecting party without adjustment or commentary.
12:26
